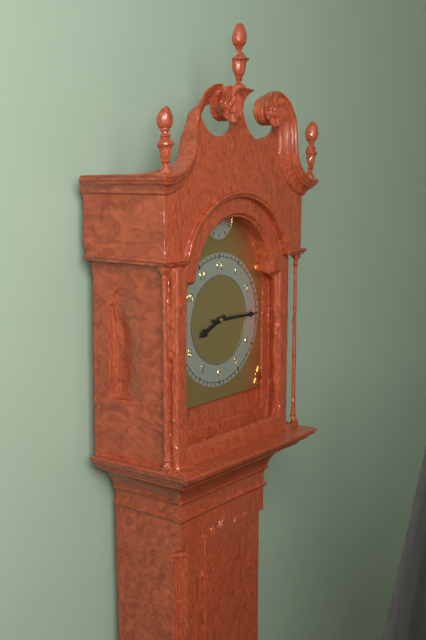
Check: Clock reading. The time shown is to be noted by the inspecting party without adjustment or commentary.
8:15
